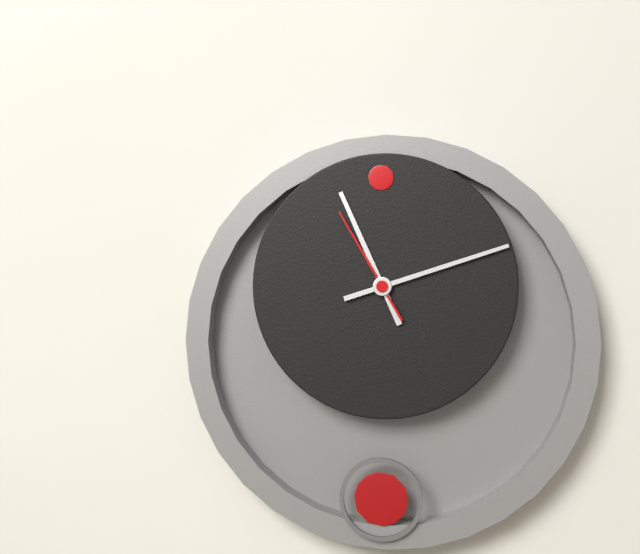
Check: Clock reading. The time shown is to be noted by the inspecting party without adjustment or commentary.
11:12:55
